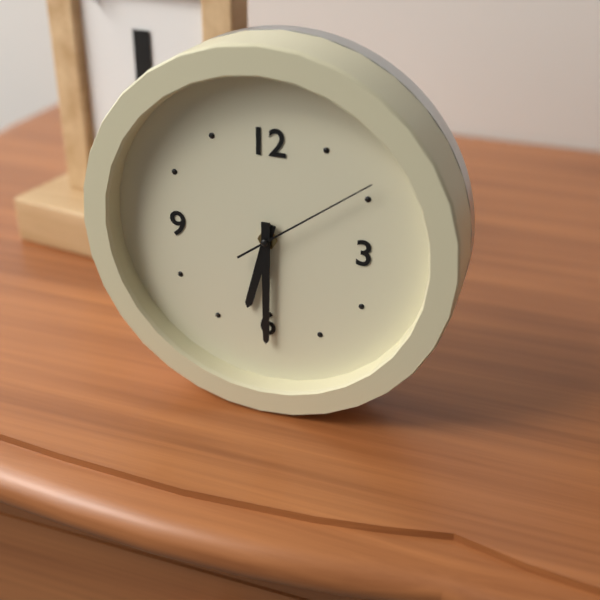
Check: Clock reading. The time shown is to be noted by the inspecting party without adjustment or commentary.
6:30:09
